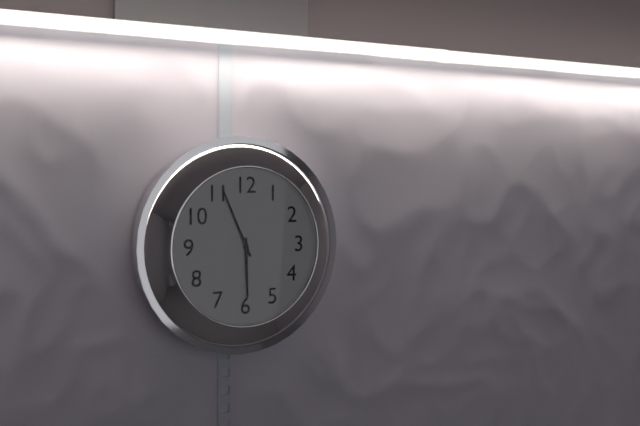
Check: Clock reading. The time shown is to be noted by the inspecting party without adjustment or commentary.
5:56
